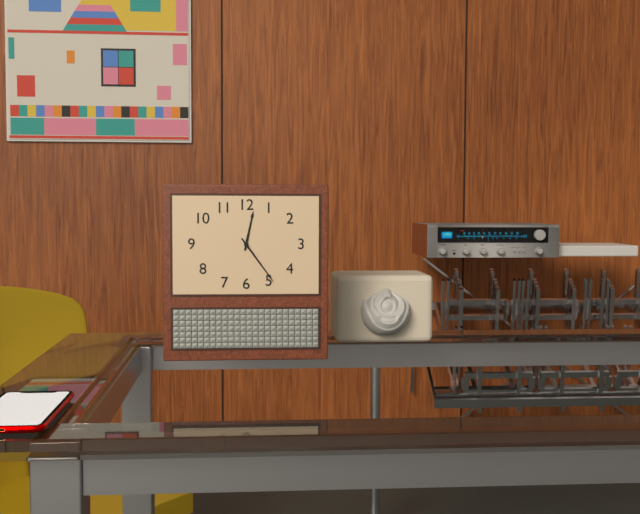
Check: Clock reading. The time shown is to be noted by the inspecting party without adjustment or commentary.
12:24
